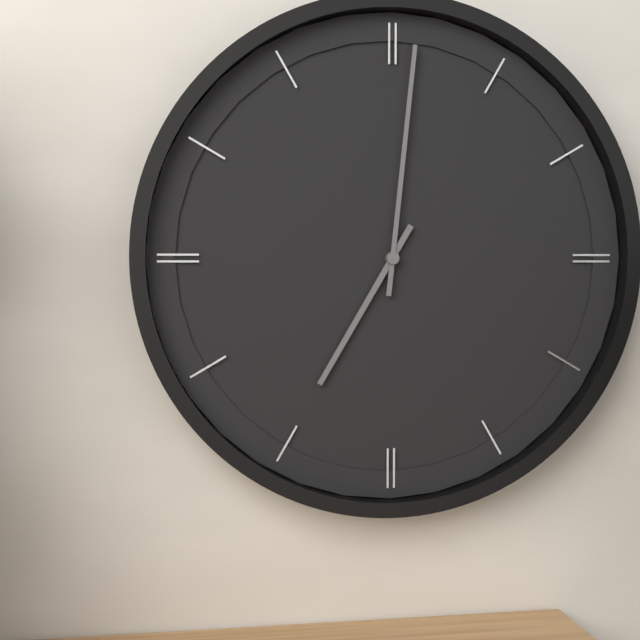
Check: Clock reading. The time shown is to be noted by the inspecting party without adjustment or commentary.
7:01
